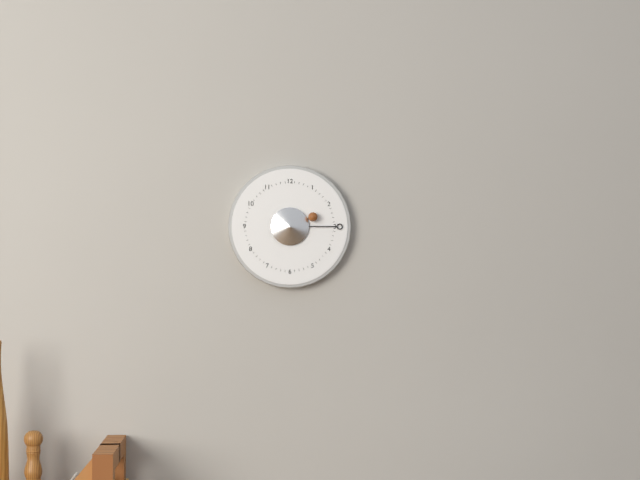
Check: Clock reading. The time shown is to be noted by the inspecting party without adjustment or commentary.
2:15
